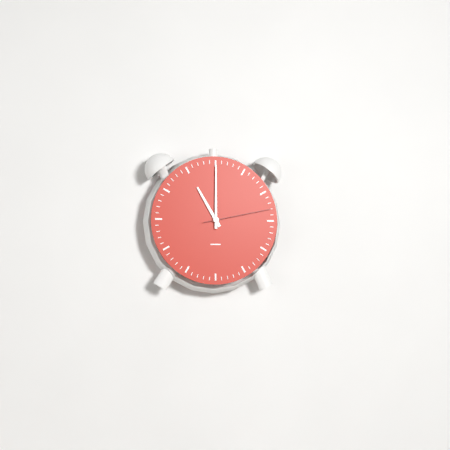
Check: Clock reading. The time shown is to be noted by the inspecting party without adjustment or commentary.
11:00:13
